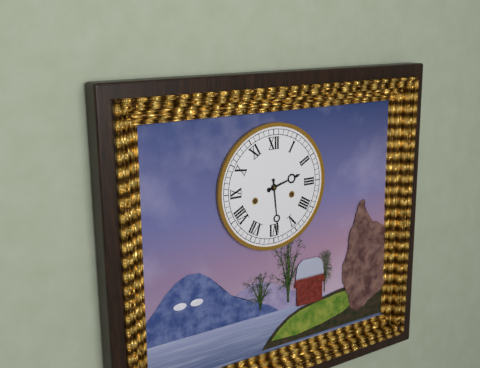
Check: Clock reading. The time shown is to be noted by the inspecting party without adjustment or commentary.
2:29
